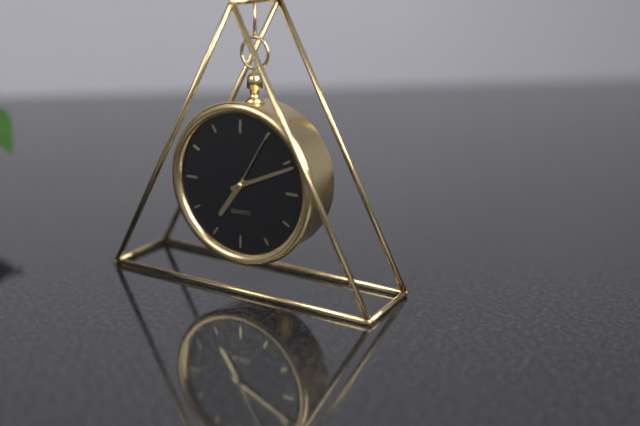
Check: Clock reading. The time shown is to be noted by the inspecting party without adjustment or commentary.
7:11:05
